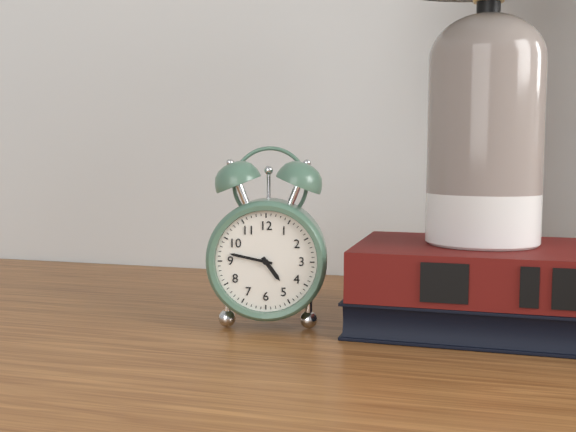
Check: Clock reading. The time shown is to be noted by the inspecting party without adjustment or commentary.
4:47
